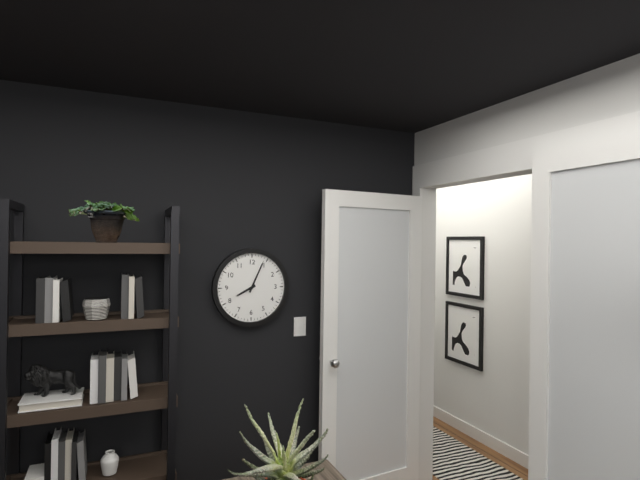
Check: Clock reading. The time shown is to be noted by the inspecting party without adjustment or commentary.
8:04
